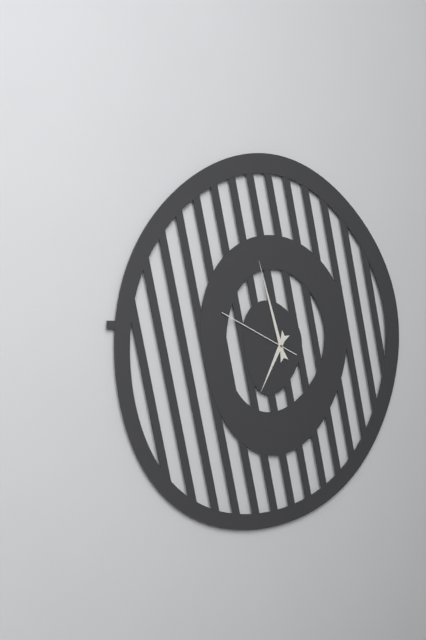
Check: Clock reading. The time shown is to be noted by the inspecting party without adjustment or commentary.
6:57:49
